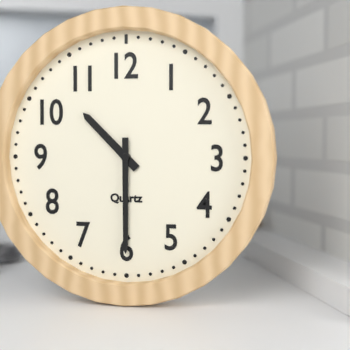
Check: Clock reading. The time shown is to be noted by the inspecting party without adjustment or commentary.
10:30
